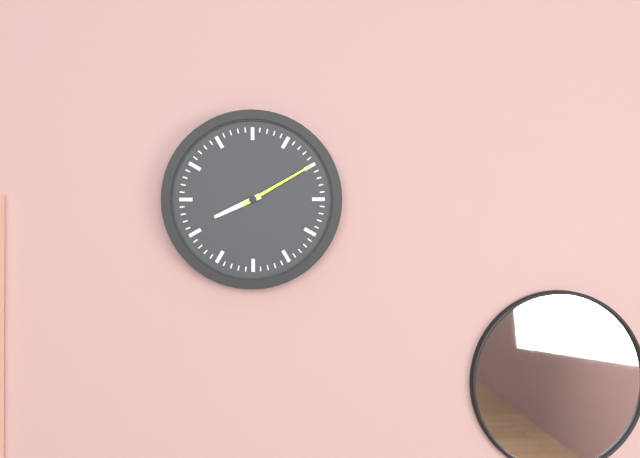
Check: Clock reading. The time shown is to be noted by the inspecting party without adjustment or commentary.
8:10
